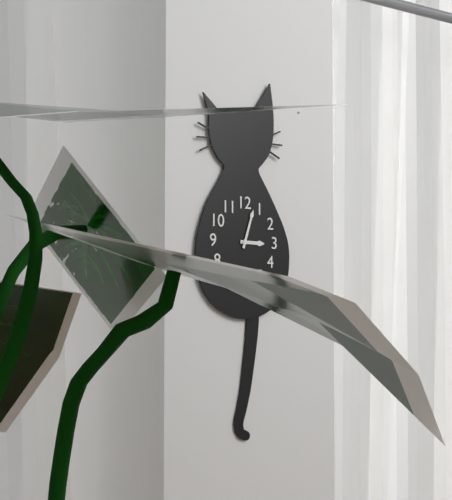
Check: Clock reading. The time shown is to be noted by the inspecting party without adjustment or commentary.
3:03
